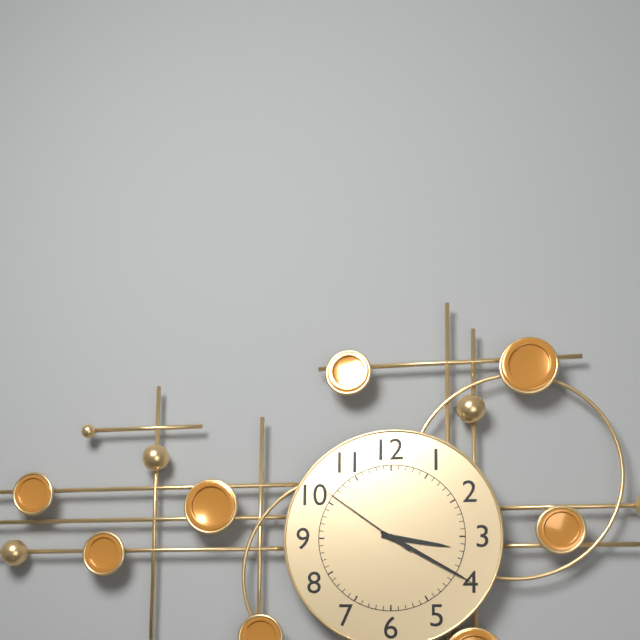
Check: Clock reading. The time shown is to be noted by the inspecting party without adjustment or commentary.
3:20:51
